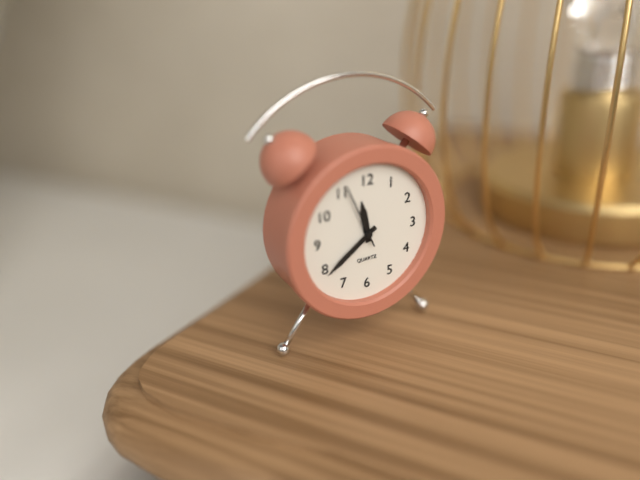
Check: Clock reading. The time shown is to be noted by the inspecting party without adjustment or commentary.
11:39:56
